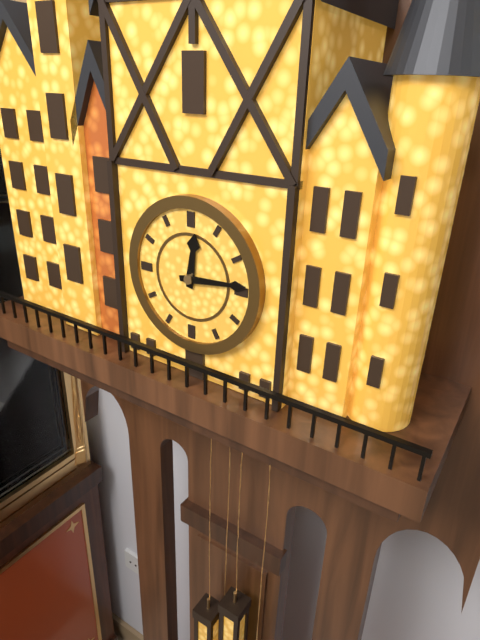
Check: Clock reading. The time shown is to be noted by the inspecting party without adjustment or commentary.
12:14
